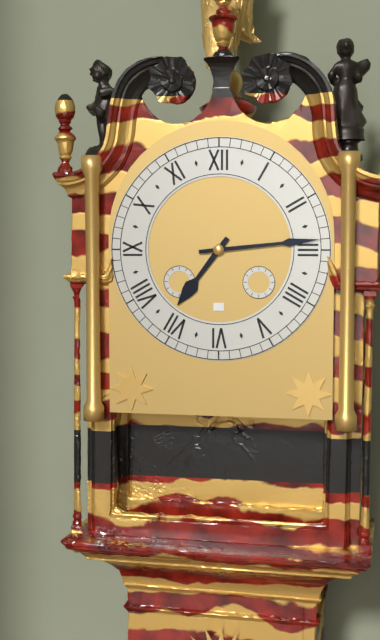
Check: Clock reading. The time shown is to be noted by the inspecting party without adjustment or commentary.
7:14
